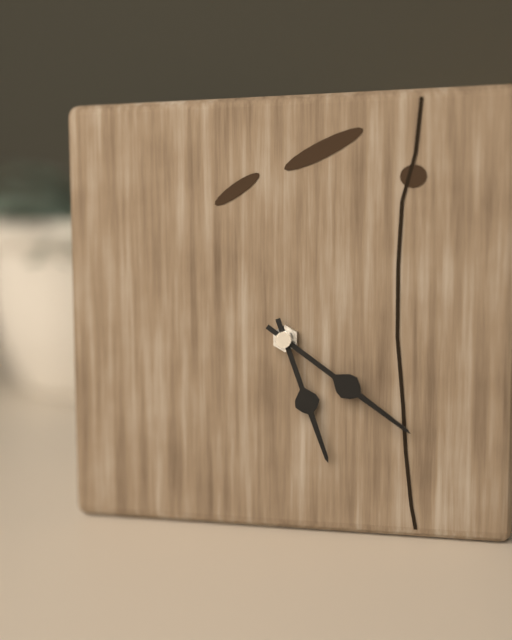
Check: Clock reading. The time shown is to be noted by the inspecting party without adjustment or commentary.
5:21
